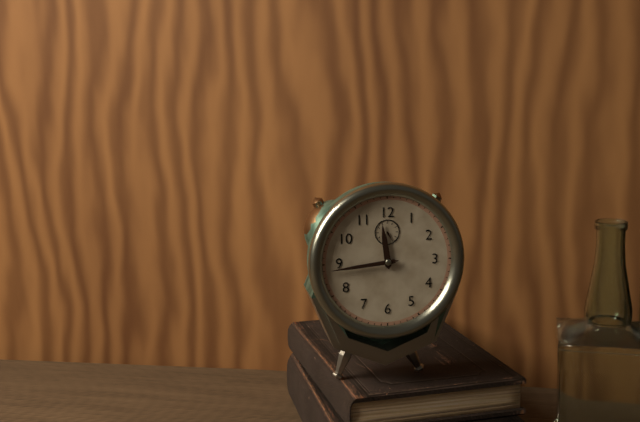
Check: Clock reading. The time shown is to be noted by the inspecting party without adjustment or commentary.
11:44
